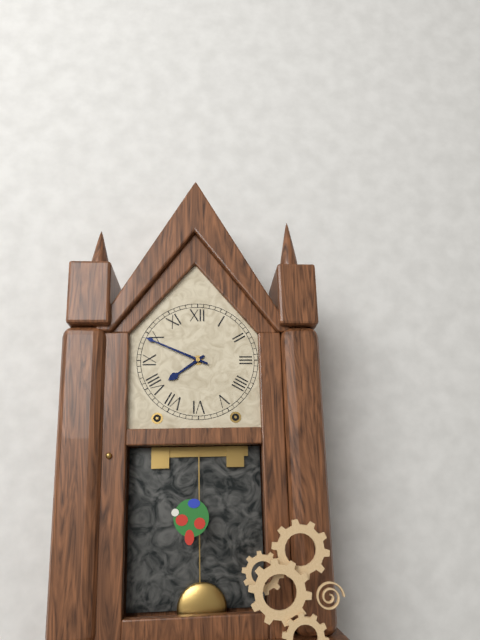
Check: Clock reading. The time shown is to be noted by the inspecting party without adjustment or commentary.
7:49
